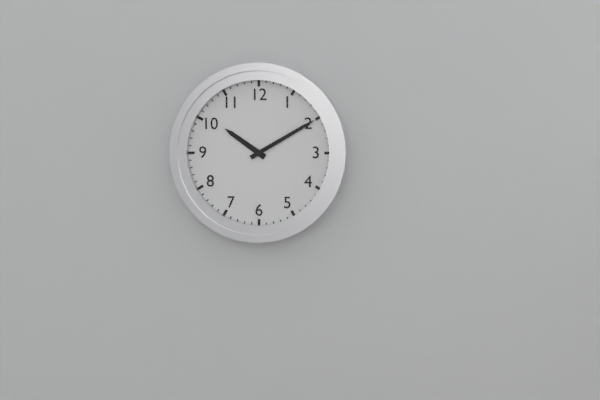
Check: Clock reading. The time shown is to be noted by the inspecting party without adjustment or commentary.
10:10
